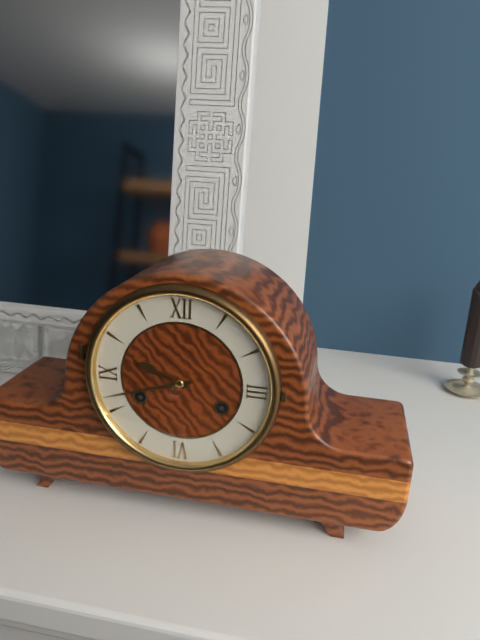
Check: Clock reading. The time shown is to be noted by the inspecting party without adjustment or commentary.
9:42
